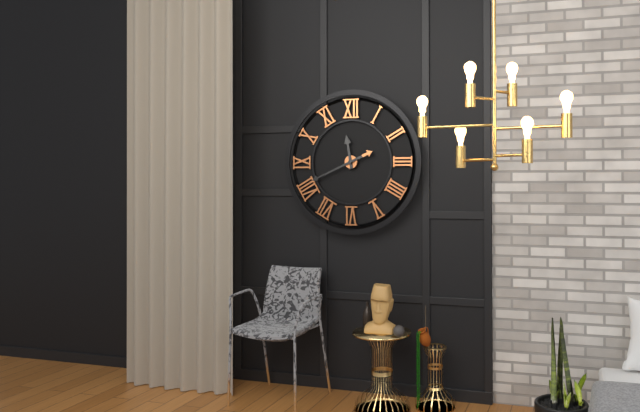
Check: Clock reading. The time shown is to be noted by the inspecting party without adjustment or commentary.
11:41
